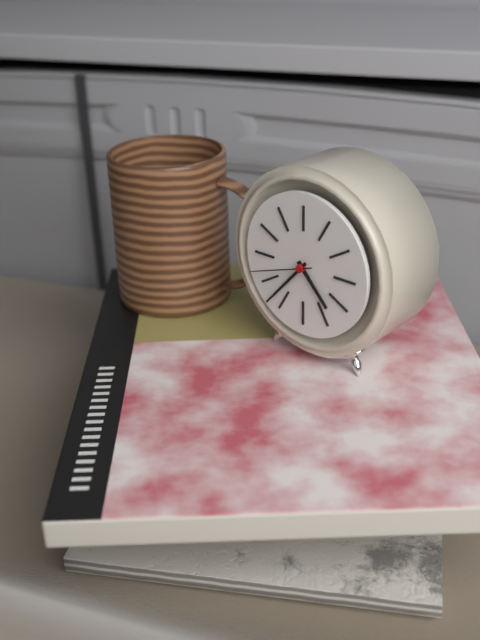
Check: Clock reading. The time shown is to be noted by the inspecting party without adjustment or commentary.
4:37:42
